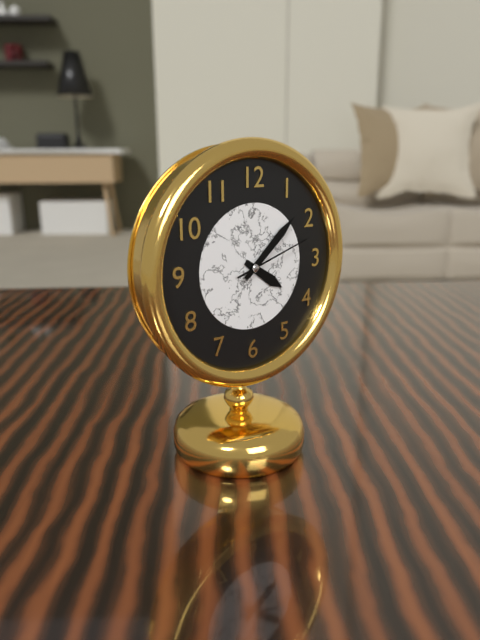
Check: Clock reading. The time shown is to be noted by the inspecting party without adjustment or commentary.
4:08:12
